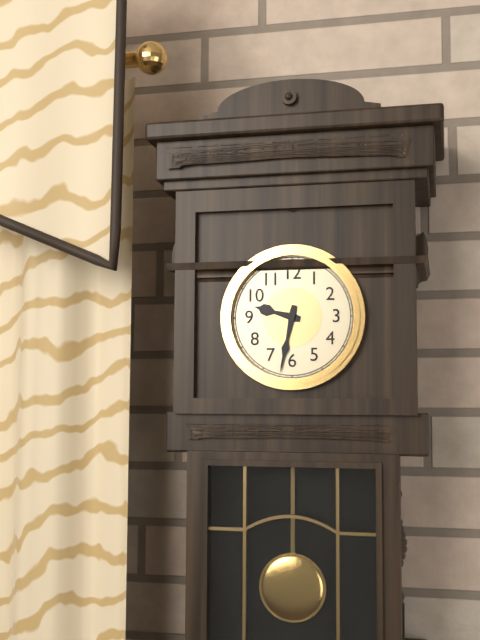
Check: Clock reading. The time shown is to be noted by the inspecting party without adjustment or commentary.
9:32
